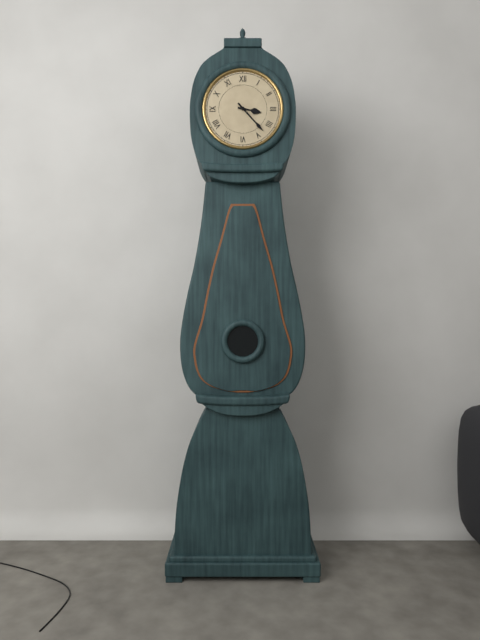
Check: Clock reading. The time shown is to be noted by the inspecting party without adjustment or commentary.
3:23
